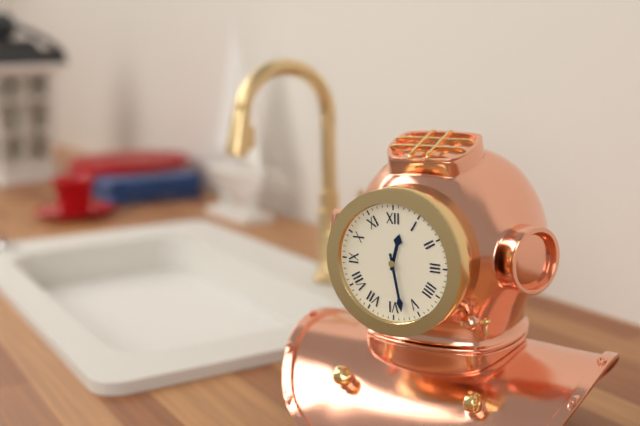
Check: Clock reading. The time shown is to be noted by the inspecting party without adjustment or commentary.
12:28
